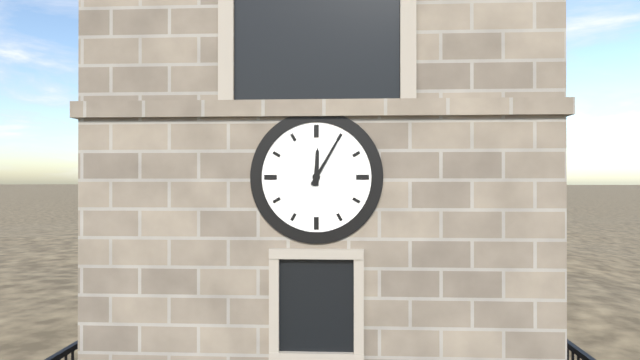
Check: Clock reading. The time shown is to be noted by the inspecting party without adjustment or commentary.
12:05
